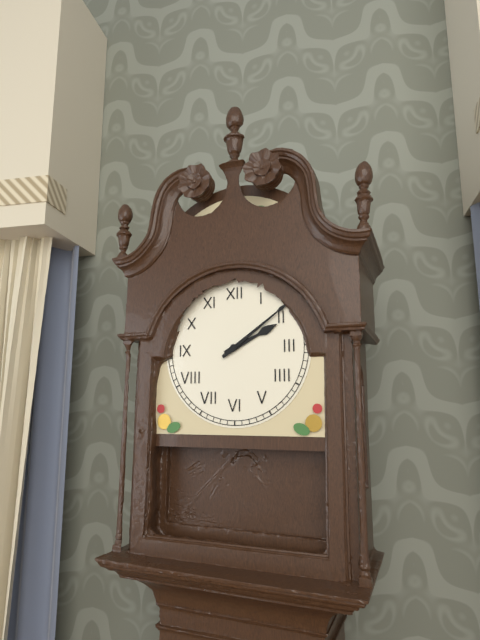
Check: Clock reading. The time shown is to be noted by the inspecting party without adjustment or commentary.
2:09
